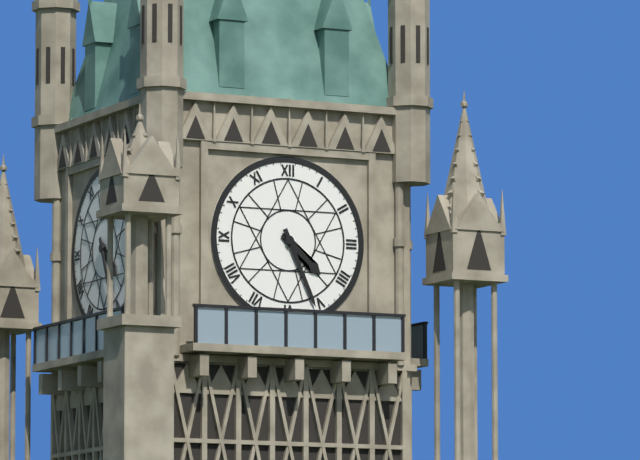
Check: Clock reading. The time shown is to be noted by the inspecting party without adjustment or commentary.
4:26
